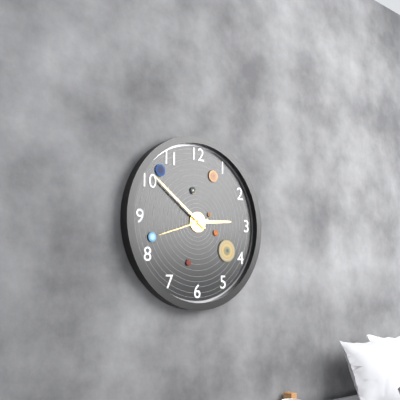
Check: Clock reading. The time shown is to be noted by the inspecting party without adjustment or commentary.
2:51:42
